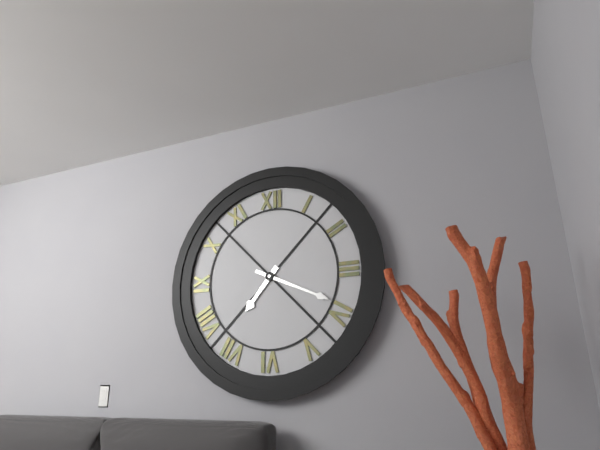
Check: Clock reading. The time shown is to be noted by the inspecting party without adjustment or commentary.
7:19
